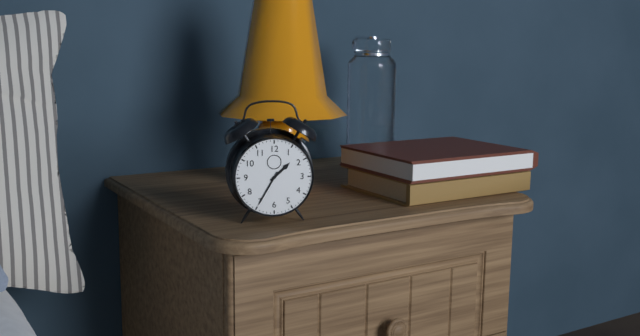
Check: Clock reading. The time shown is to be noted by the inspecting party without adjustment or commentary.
1:35
